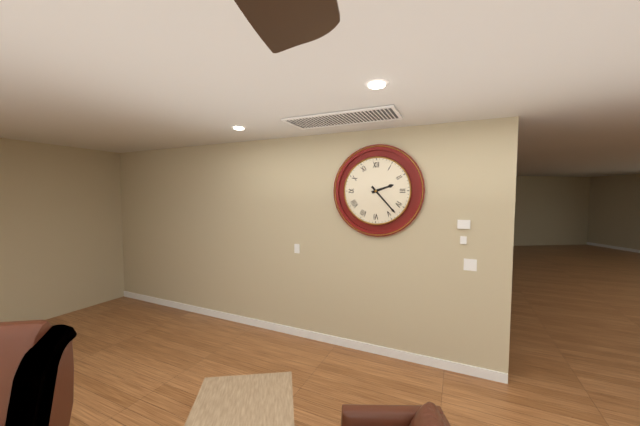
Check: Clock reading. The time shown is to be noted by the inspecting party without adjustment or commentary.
2:23
